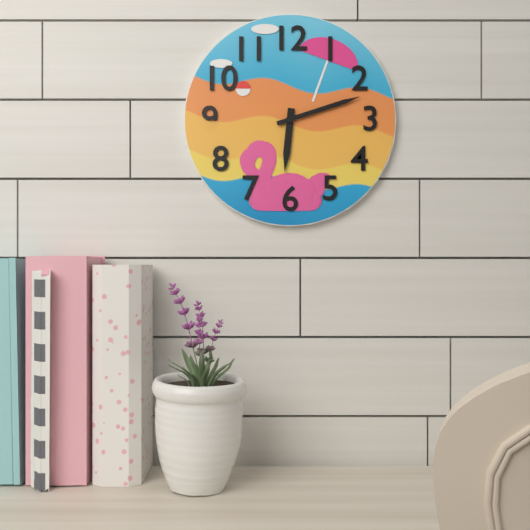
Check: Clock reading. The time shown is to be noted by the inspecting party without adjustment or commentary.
6:12
